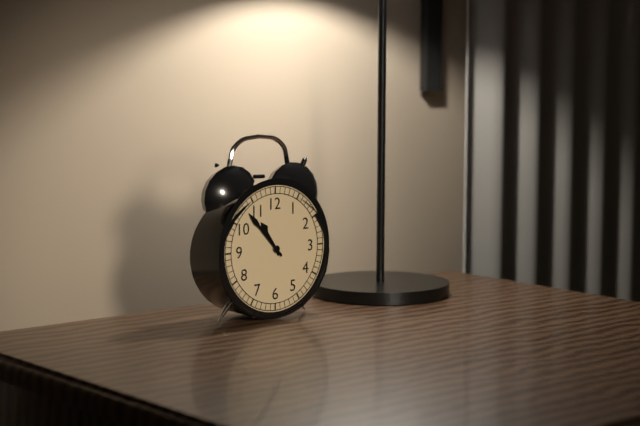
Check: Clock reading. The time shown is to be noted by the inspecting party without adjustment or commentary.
10:53
